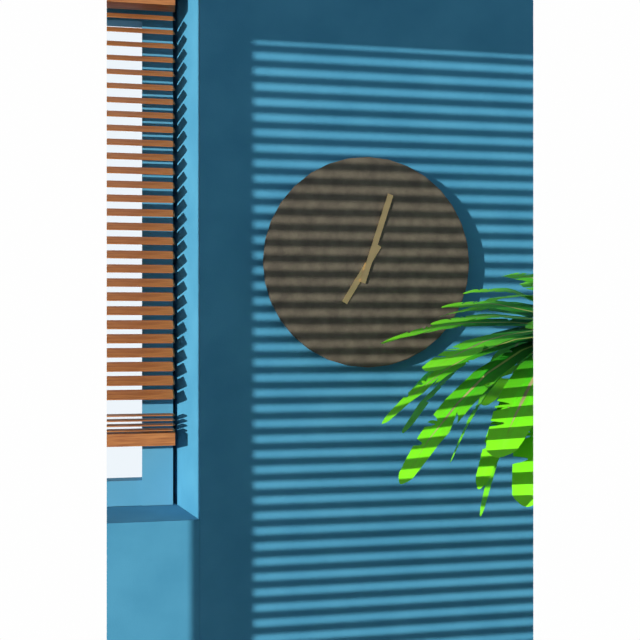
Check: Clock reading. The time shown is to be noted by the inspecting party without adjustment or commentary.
7:03
